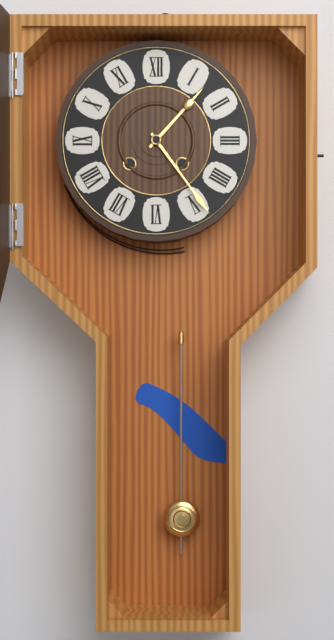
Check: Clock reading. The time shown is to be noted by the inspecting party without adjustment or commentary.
1:24
